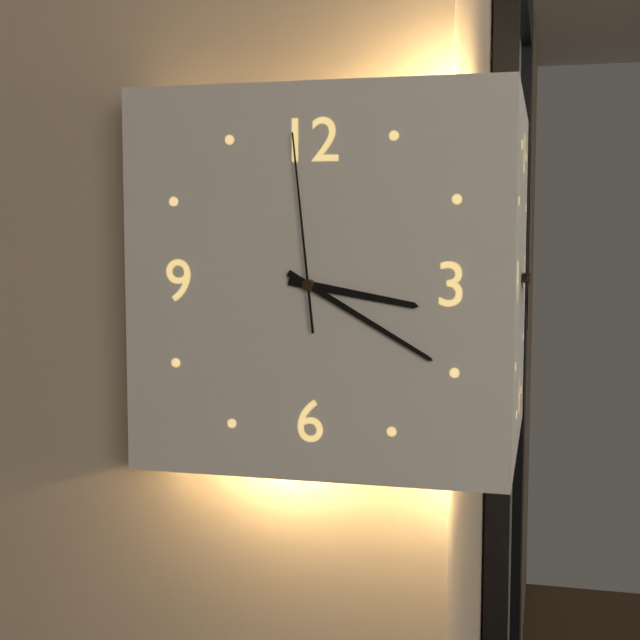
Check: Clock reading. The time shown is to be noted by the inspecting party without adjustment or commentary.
3:20:59
